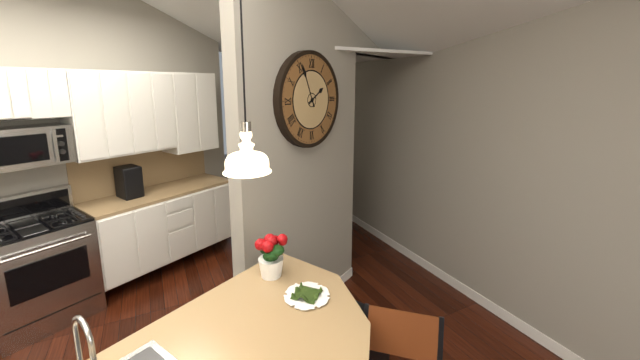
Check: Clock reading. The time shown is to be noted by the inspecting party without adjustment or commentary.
1:56
